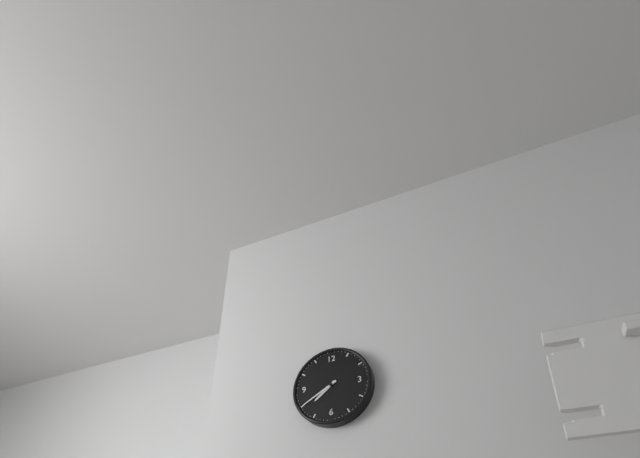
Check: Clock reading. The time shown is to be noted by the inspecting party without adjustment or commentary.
7:40
